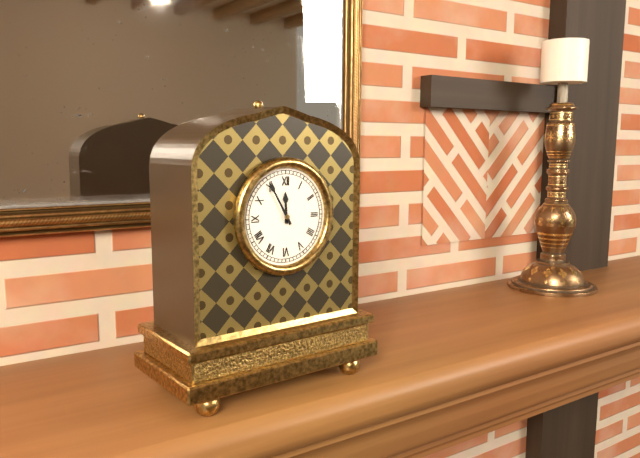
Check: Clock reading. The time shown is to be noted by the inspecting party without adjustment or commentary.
11:55
